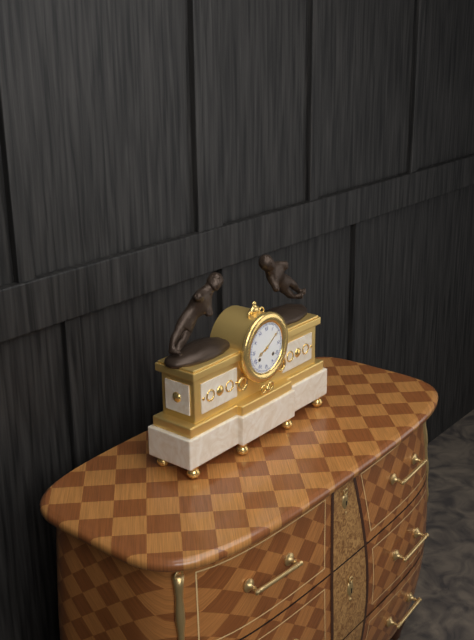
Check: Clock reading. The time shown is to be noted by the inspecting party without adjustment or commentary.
8:09
